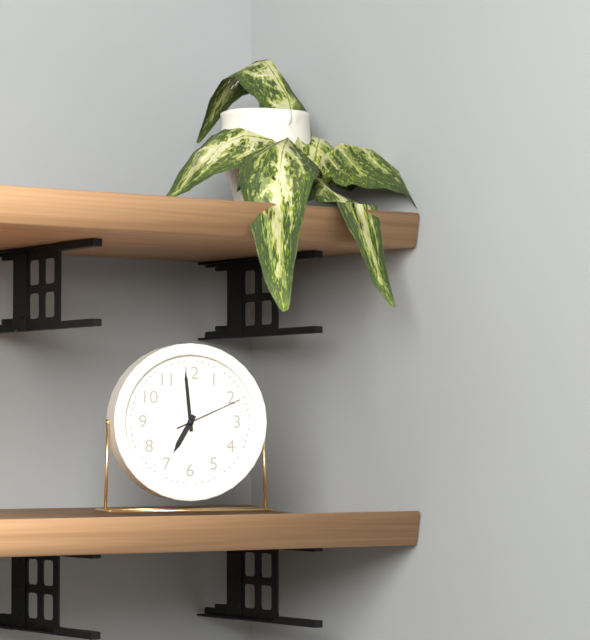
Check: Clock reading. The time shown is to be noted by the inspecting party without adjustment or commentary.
6:59:11
